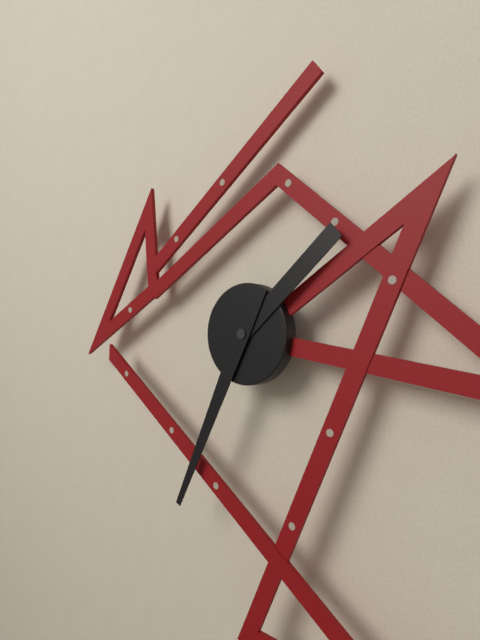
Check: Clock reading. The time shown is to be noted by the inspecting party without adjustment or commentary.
1:34
